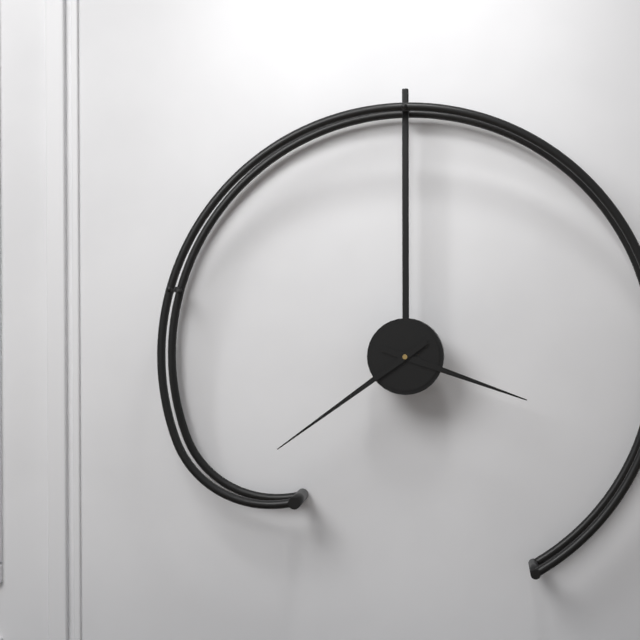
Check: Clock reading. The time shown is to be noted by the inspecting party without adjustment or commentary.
3:39
